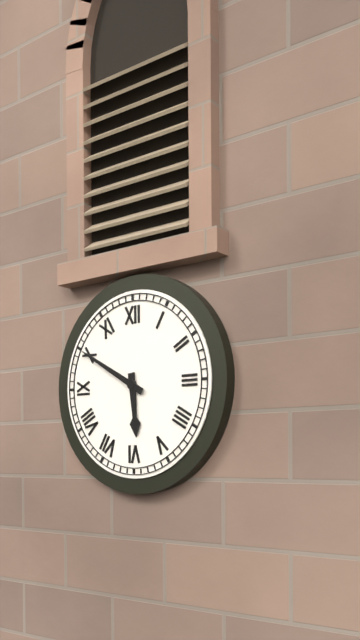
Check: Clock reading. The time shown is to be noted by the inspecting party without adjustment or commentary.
5:50
